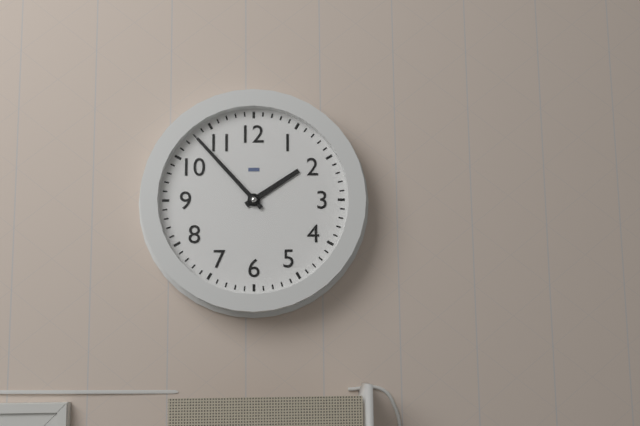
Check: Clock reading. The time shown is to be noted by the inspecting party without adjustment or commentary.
1:53
